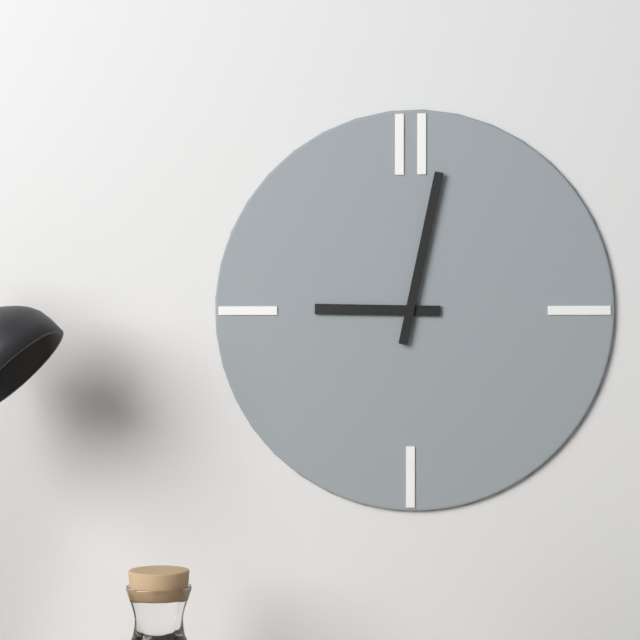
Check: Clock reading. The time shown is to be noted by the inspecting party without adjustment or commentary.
9:02
